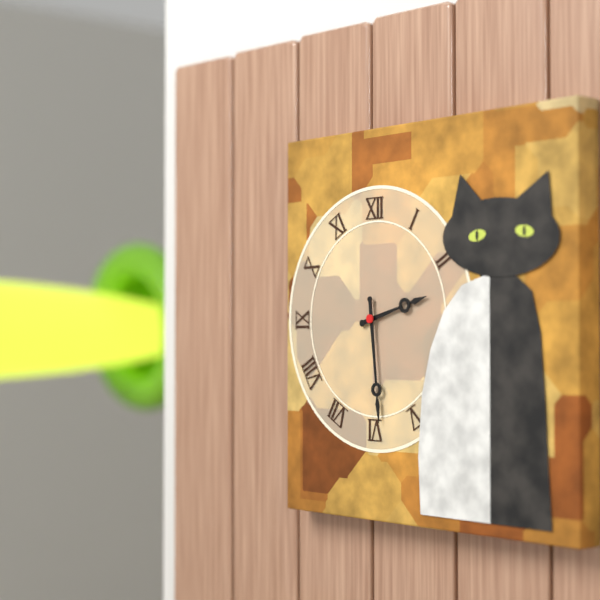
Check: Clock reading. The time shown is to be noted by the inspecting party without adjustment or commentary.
2:29
